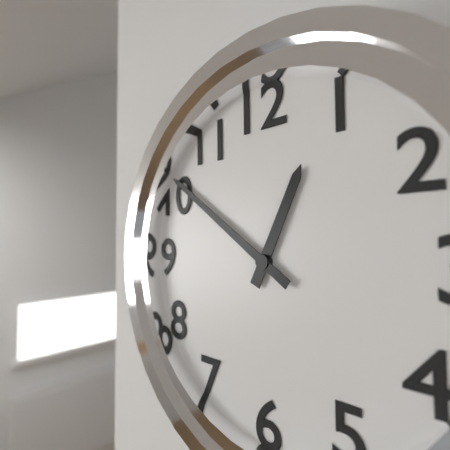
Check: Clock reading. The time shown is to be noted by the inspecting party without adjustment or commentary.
12:51
